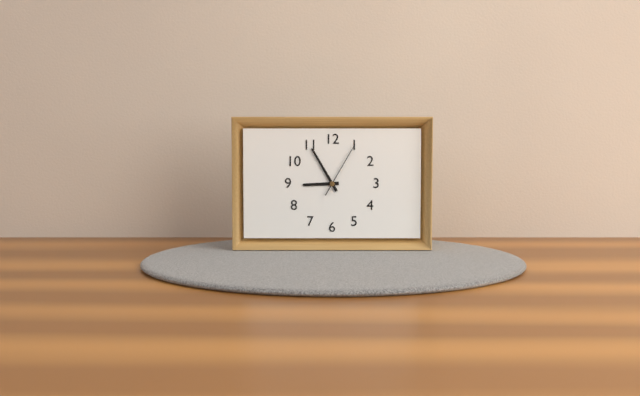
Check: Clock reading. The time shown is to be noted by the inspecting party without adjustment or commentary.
8:55:05
